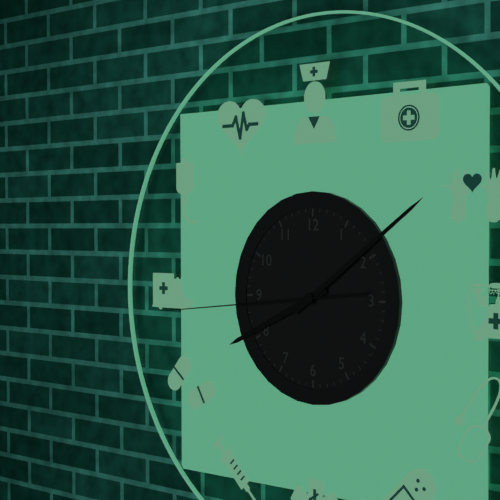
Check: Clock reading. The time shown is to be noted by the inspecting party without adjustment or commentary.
8:09:44
